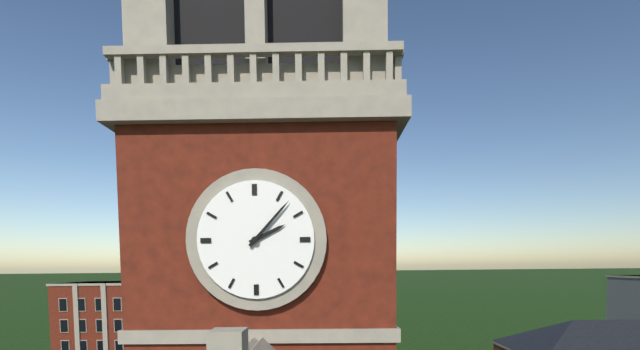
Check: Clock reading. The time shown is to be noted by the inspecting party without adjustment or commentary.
2:07
